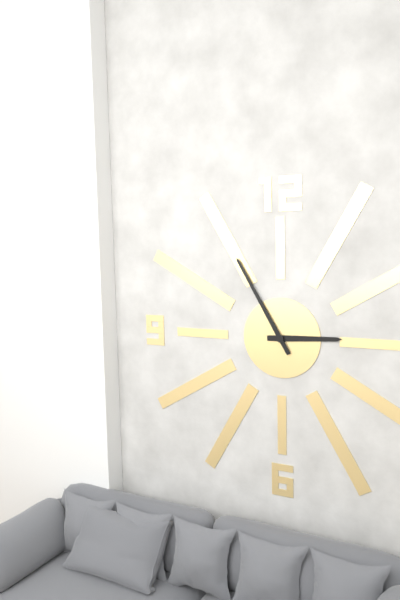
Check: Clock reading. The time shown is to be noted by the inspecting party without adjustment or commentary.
2:55
